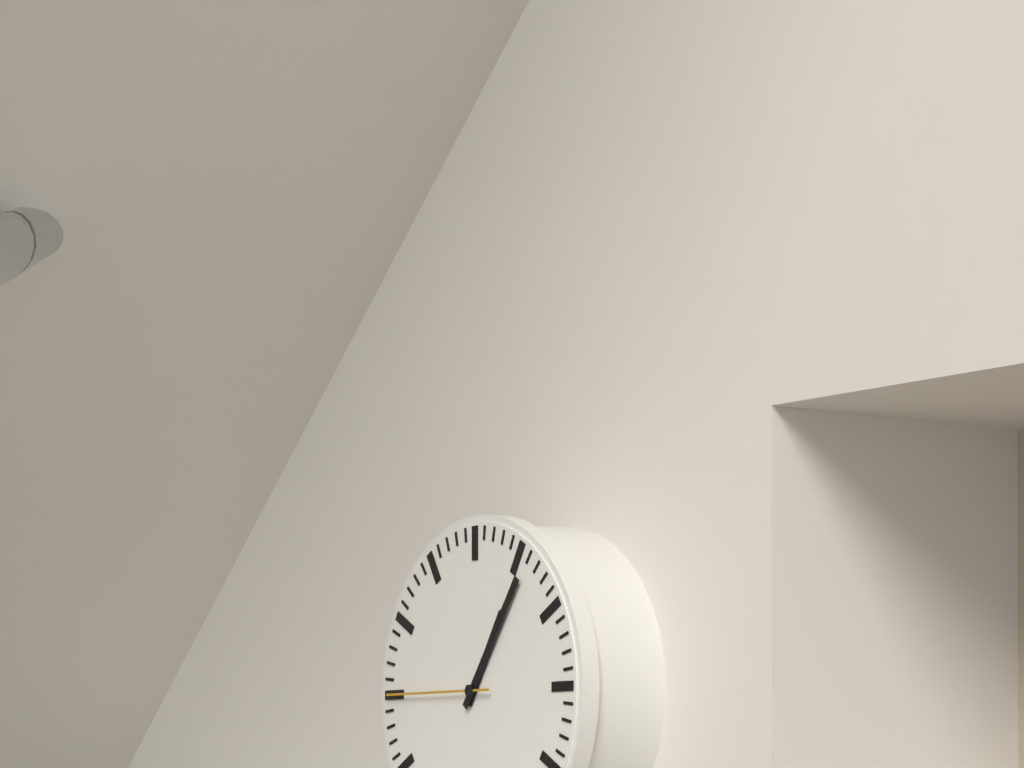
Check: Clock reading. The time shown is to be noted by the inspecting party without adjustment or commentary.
1:06:45
